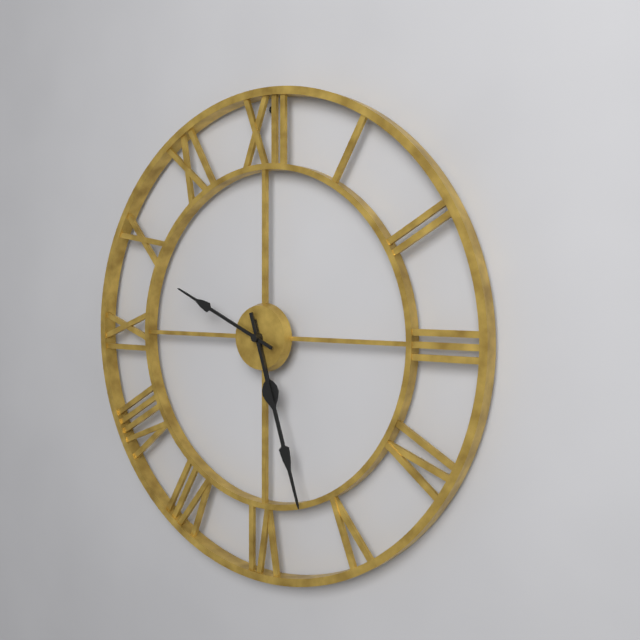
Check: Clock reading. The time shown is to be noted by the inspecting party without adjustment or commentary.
5:27:49
